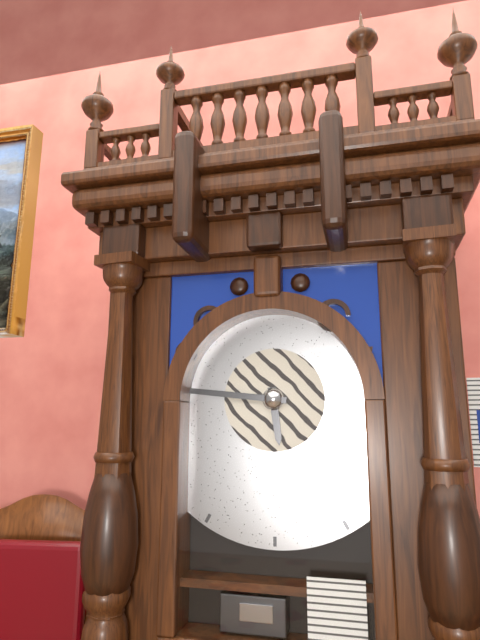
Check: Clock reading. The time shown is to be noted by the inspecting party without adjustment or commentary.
5:46
